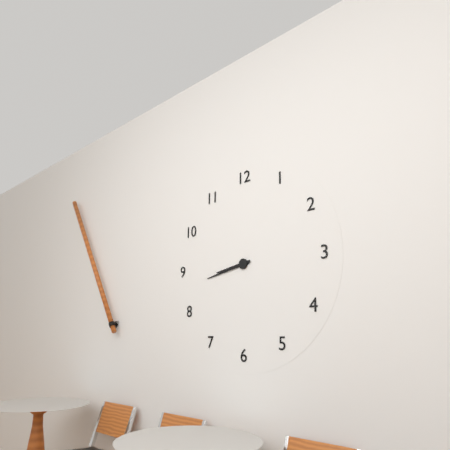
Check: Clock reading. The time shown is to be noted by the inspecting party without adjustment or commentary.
8:43
